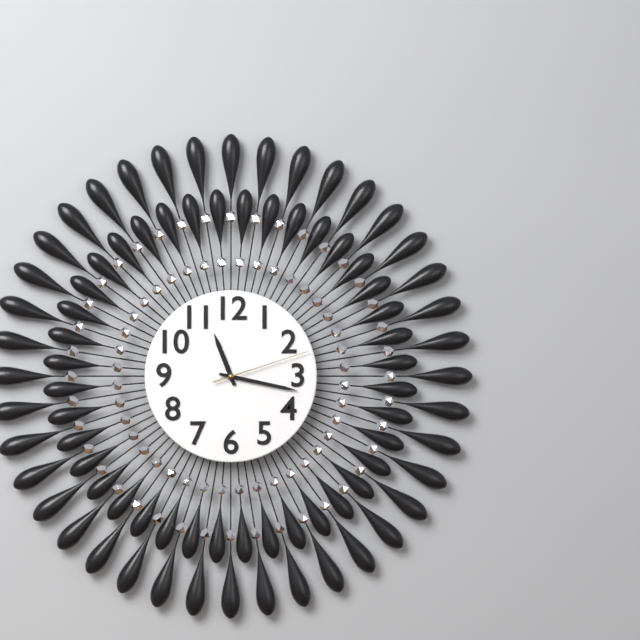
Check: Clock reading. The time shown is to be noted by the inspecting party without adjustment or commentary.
11:17:12
